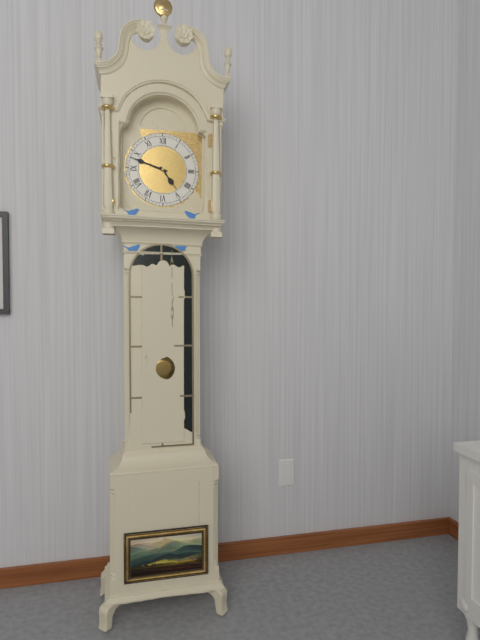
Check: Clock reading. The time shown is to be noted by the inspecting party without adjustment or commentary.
4:48
